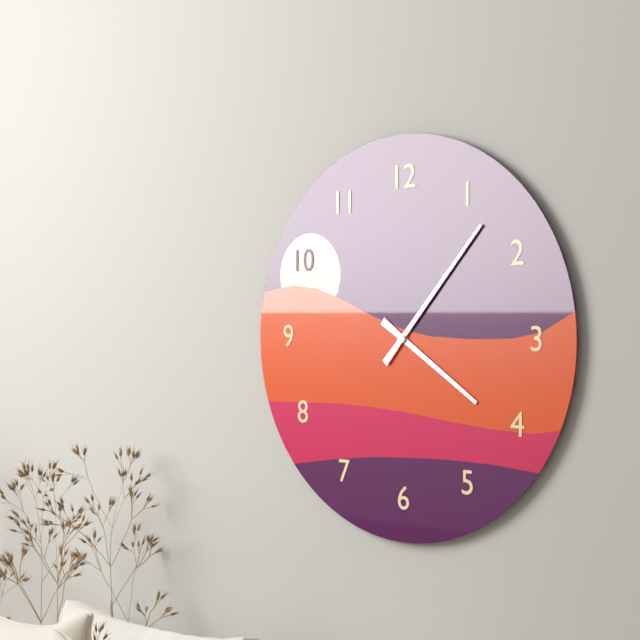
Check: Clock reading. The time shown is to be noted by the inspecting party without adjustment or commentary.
4:07
